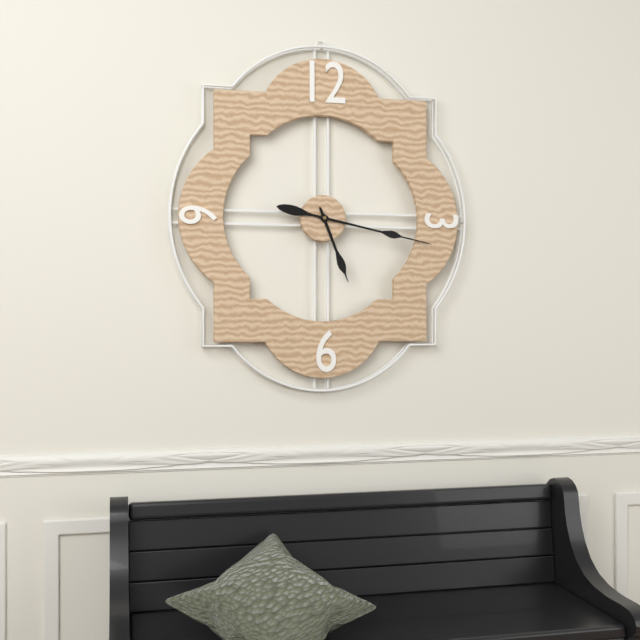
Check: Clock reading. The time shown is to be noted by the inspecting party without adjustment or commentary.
5:17
